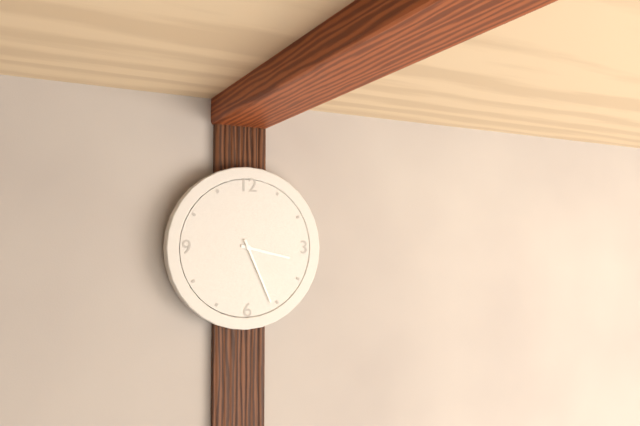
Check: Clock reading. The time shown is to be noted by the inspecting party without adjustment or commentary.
3:26
